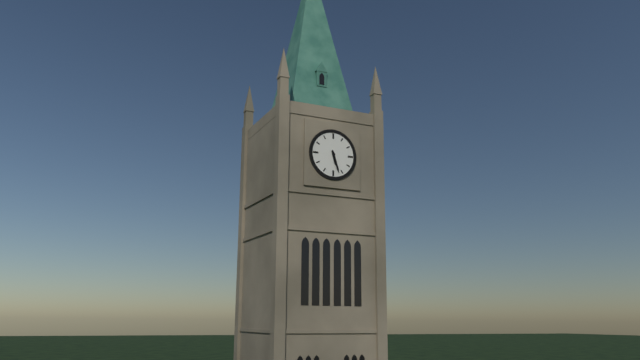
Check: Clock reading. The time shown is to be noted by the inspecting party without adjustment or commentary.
5:27
